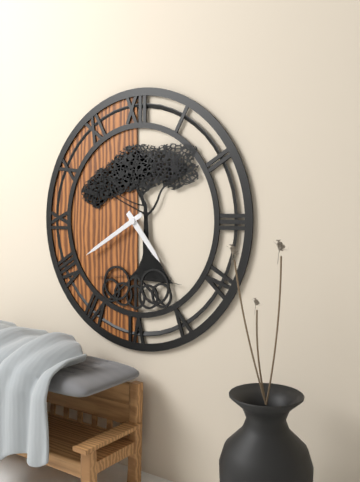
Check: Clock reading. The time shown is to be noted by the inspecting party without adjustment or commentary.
4:40
